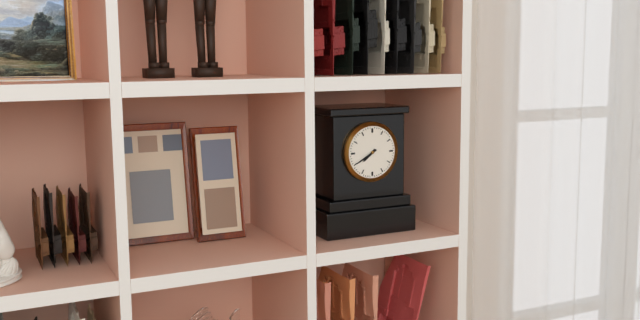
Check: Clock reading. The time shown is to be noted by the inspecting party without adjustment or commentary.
7:40
